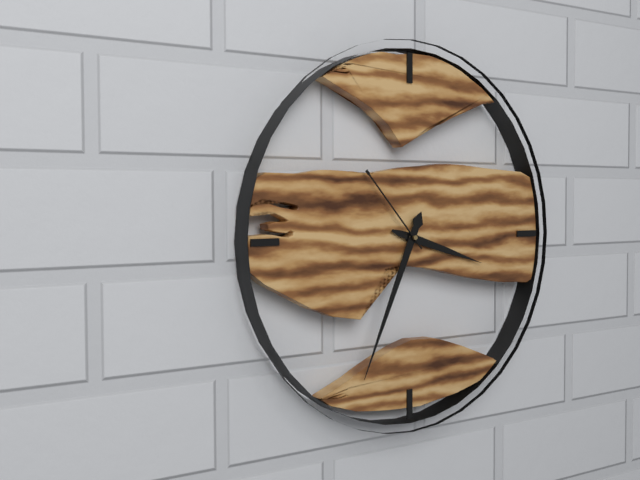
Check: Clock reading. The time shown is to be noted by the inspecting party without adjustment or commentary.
3:34:53
